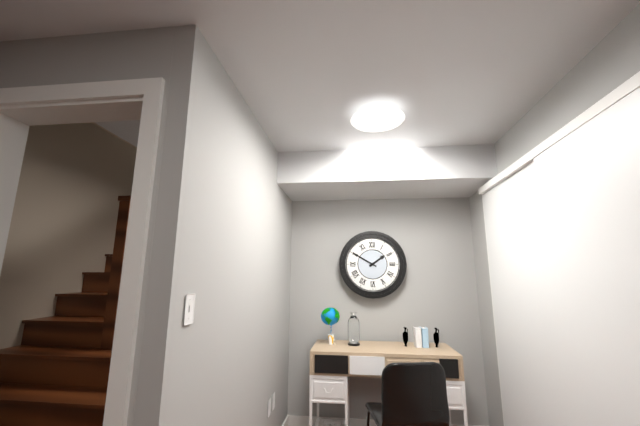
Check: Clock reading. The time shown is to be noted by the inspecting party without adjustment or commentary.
1:50
